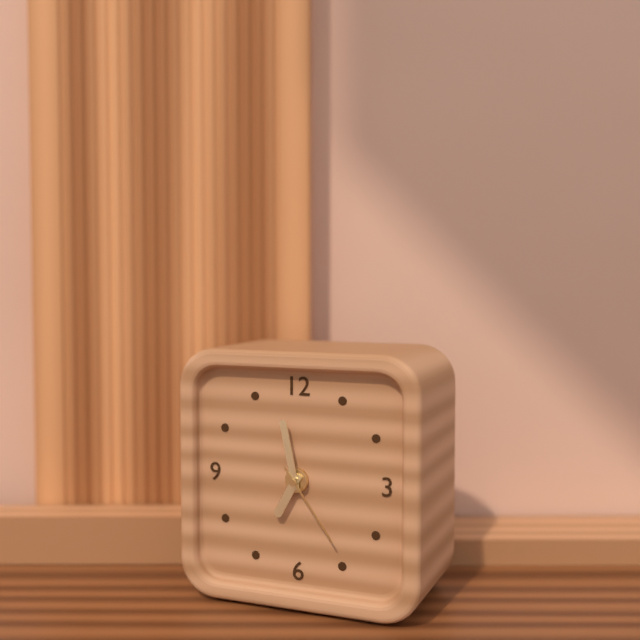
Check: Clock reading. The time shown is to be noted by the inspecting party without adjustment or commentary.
6:58:24
